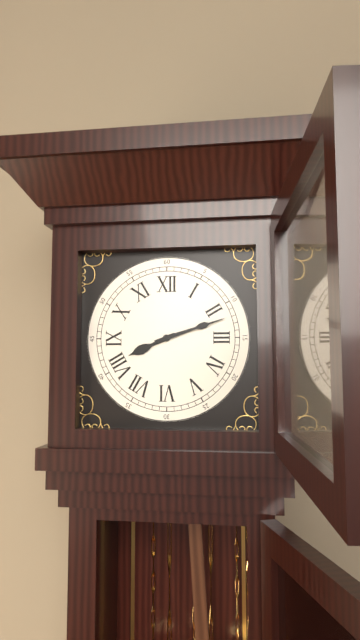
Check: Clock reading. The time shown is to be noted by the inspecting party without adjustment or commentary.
8:12
